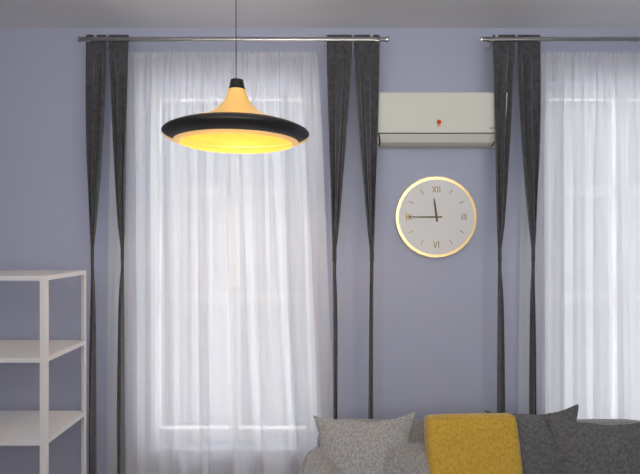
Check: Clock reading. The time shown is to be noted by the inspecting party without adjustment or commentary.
11:45
